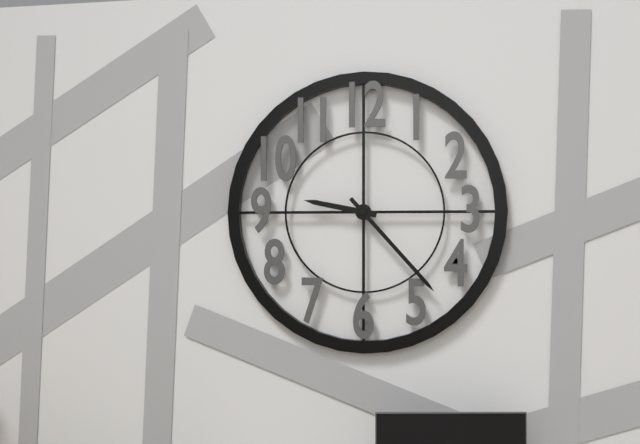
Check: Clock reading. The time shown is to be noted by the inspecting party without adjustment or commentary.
9:23
